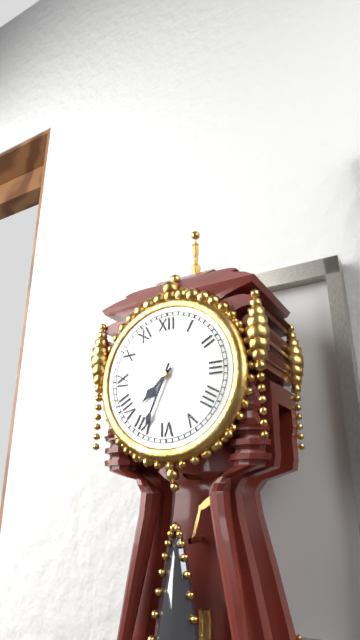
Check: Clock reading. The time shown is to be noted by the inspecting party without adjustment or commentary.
7:34
